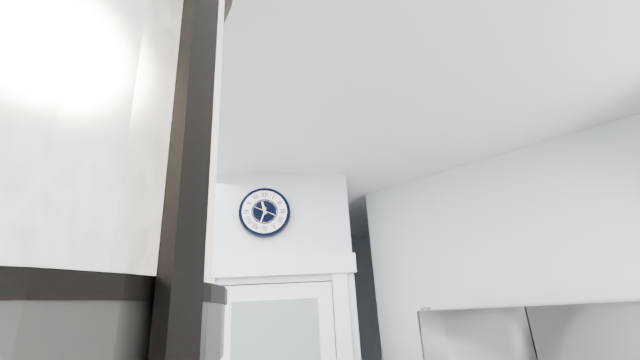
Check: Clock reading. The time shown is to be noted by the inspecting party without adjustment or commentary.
11:33
